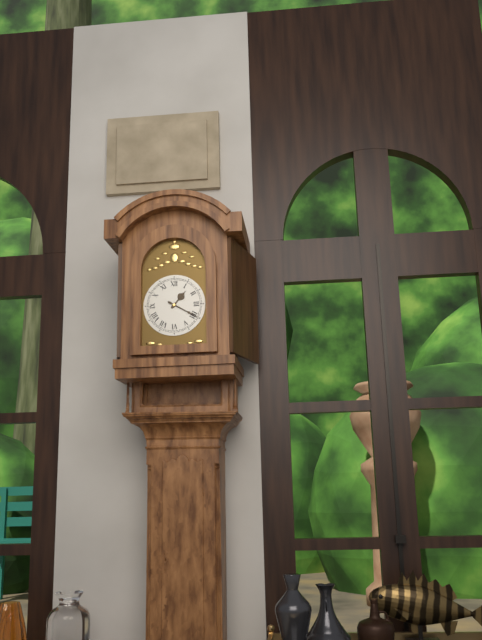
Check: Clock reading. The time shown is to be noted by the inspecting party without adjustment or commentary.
1:20
